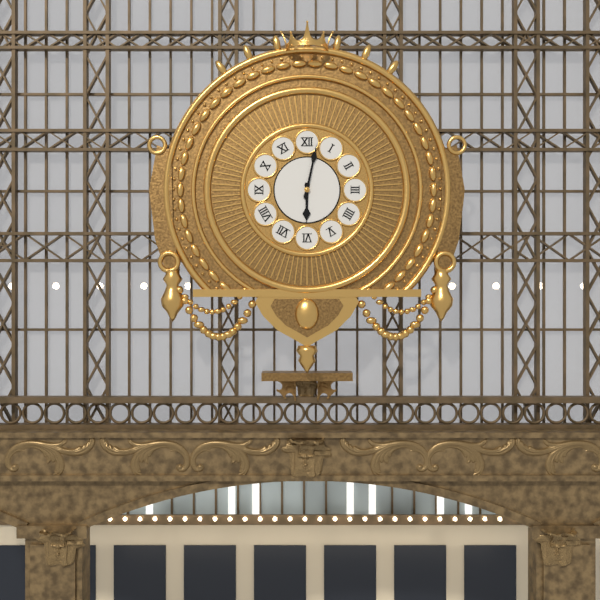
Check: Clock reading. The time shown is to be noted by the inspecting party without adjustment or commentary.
6:02
